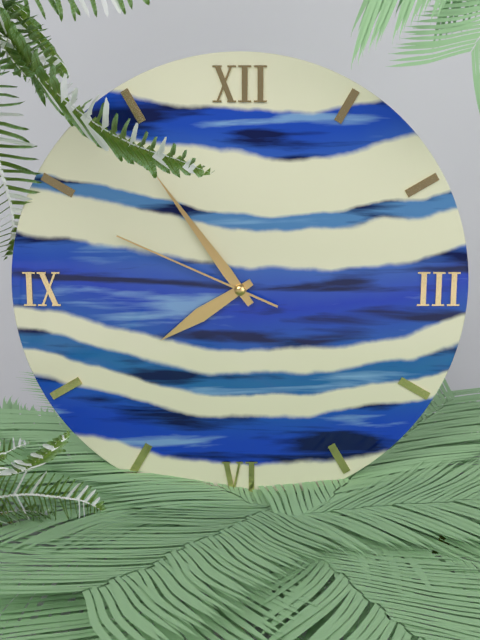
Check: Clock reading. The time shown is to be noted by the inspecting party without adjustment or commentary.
7:54:49
